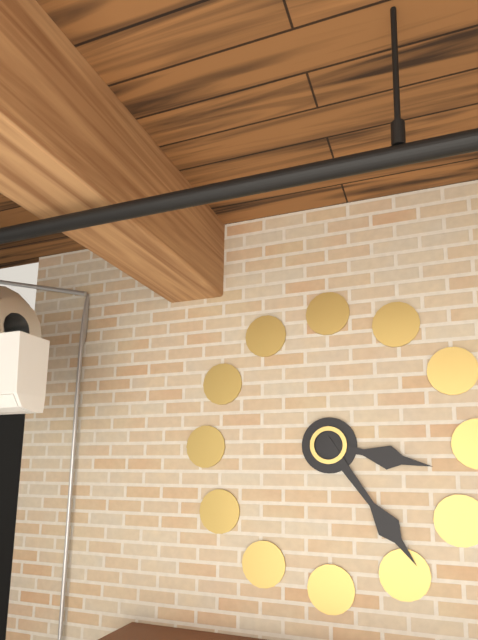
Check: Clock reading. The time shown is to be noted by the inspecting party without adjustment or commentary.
3:24
